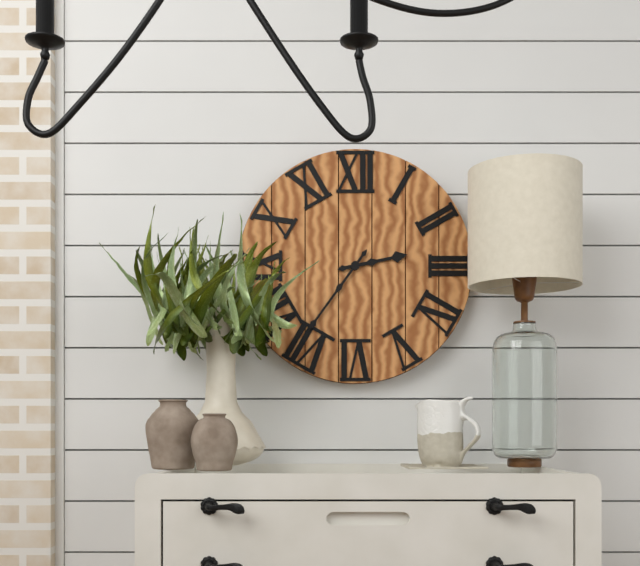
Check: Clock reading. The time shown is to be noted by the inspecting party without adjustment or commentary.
2:36
